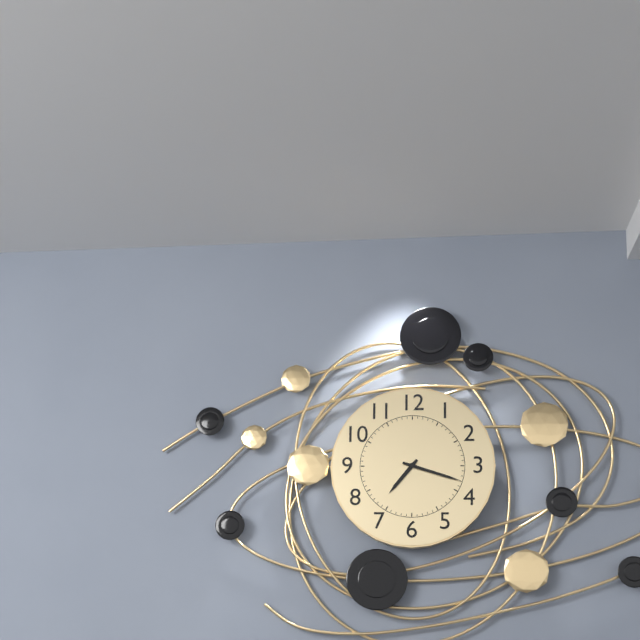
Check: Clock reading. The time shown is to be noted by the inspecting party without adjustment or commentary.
7:18
